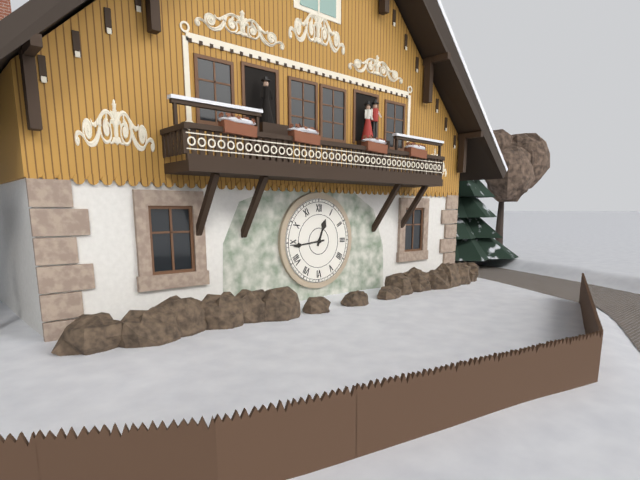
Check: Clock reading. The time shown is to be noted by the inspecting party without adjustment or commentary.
12:44
